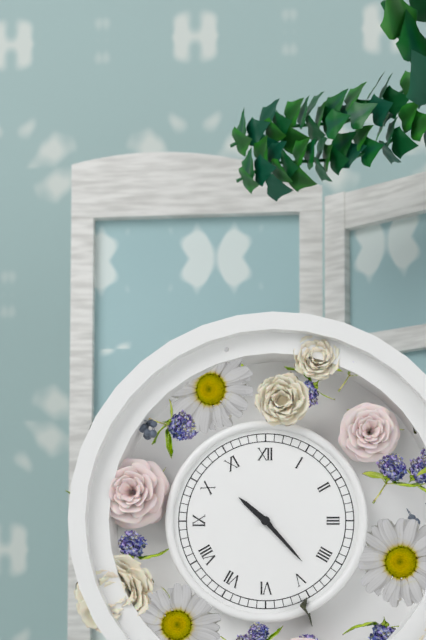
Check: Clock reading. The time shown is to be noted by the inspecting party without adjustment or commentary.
10:23
